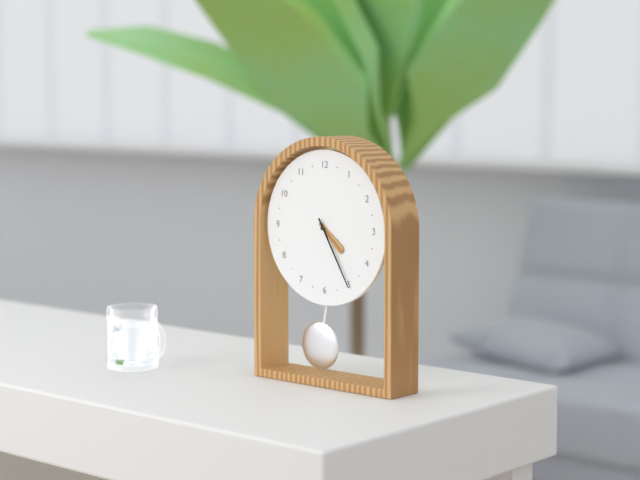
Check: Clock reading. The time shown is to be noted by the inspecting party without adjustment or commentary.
4:25
